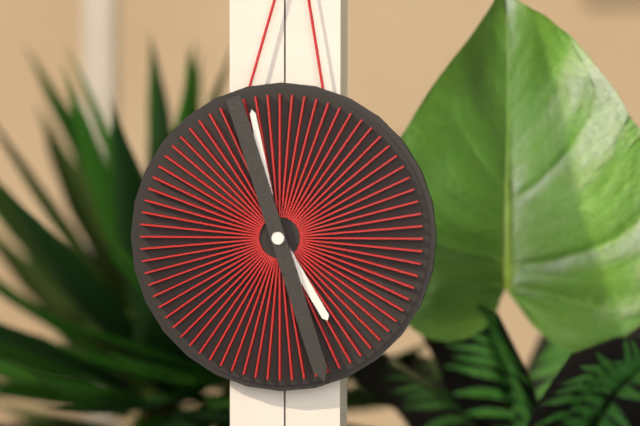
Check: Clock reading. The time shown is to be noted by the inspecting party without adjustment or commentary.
4:58:27
